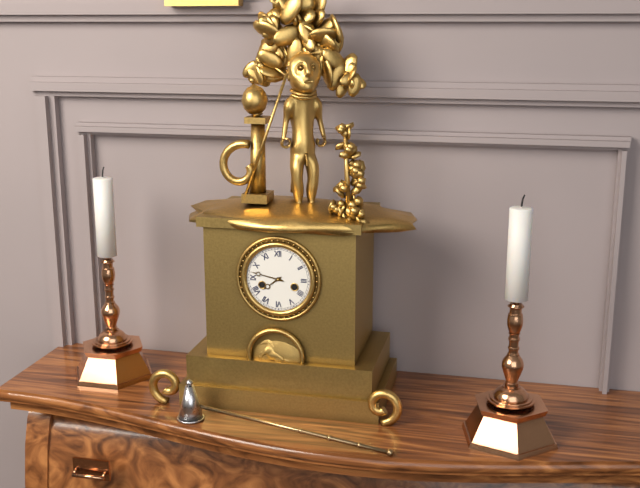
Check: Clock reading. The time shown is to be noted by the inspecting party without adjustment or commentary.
7:47
